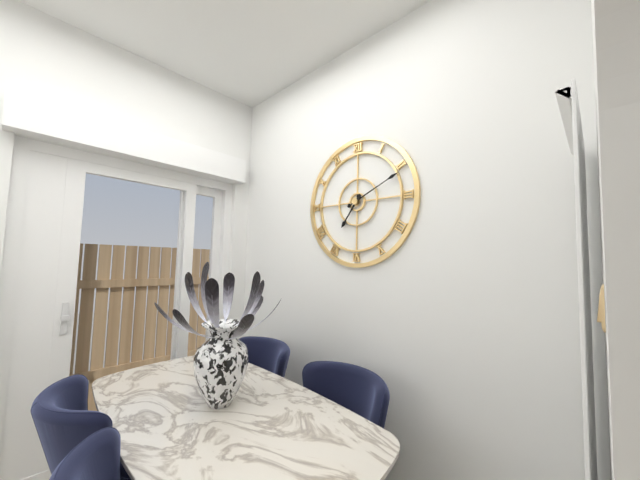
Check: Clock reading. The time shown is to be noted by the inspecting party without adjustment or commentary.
7:11
